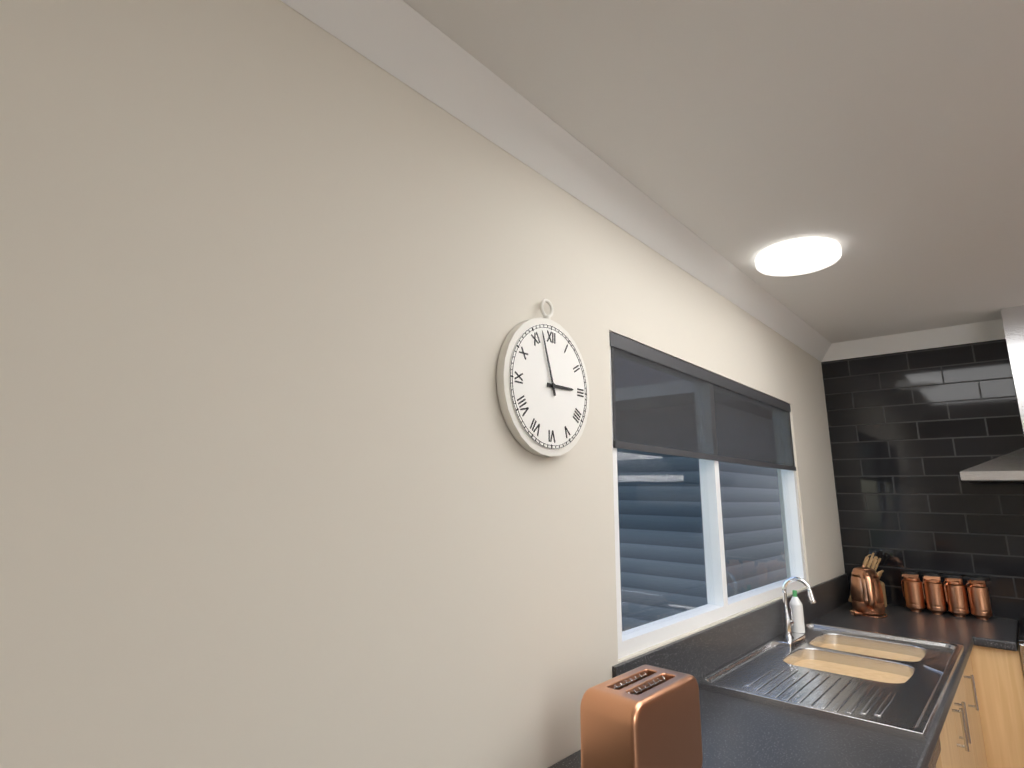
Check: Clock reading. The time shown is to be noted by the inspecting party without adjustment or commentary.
2:57
